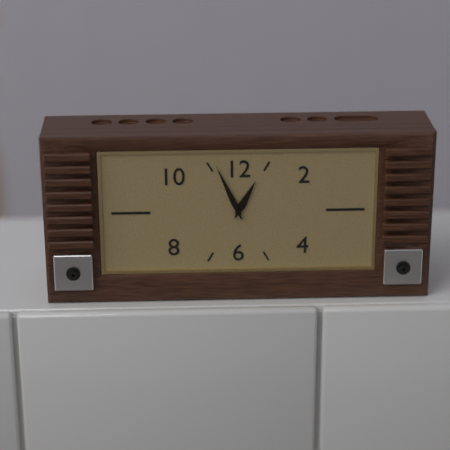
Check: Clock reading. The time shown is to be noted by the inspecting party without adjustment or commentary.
12:56
